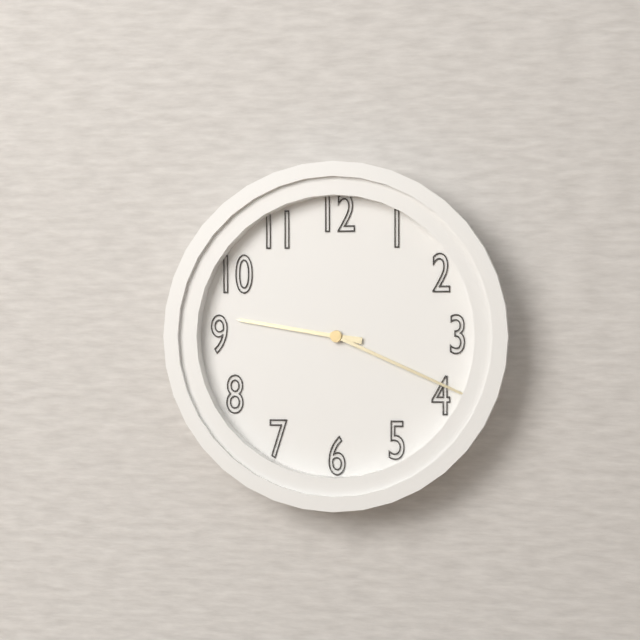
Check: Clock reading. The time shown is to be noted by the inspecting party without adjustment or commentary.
9:19
